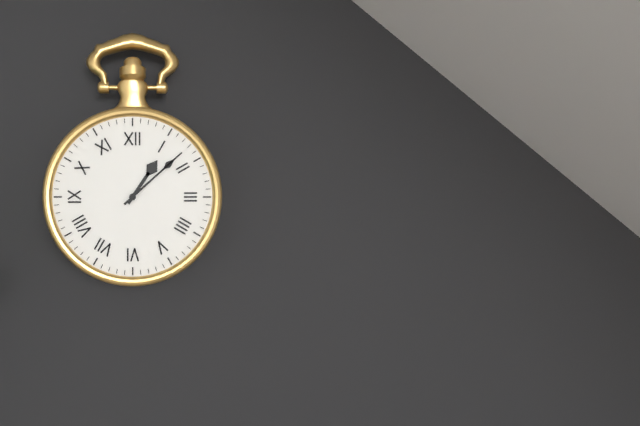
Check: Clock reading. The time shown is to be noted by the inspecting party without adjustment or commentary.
1:08
